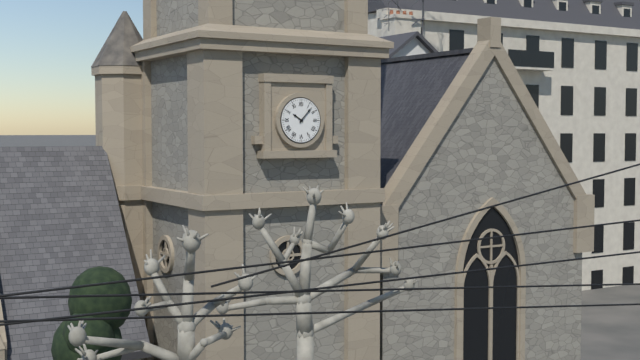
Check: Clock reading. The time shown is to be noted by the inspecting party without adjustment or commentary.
10:07
